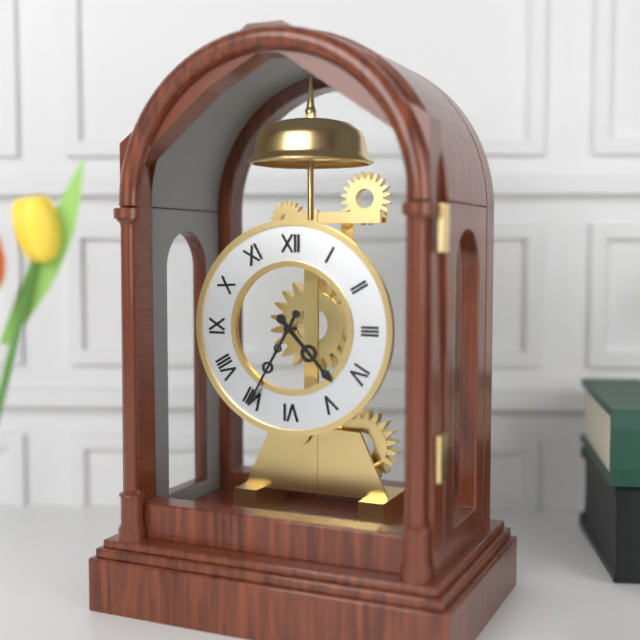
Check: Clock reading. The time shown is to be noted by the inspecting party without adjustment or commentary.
4:35
